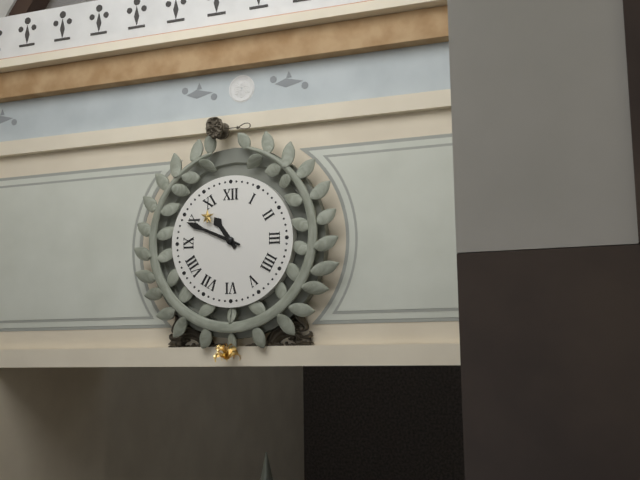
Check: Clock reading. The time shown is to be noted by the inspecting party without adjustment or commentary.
10:49
